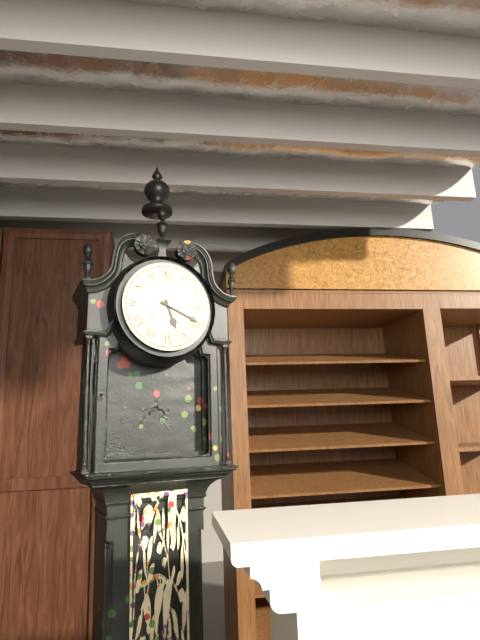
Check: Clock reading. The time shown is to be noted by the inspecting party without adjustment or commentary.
5:19
